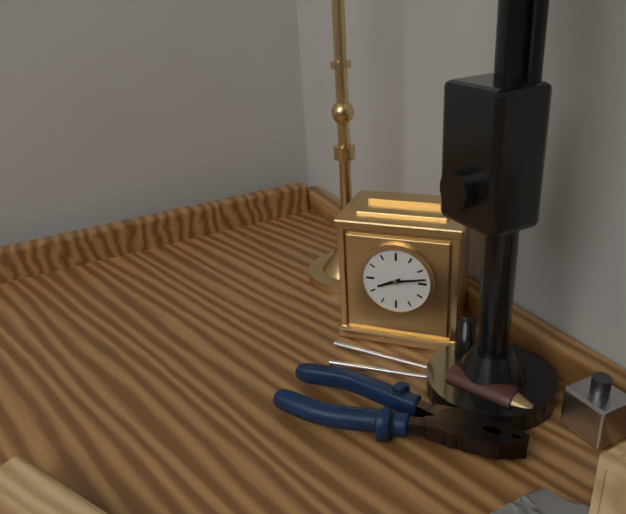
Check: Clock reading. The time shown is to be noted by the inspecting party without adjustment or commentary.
8:13
